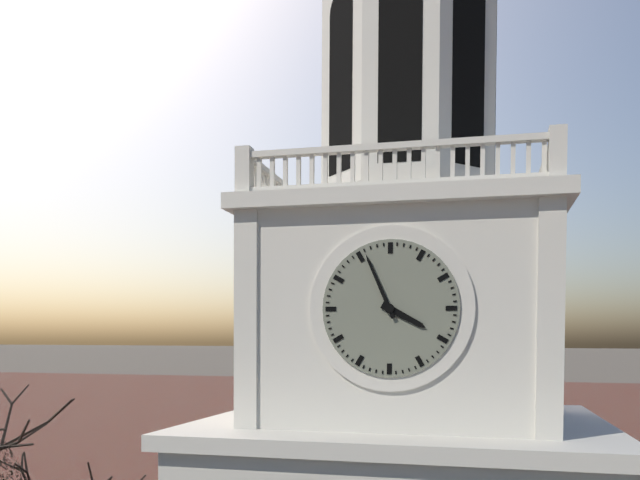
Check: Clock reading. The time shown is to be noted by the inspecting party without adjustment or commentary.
3:56
